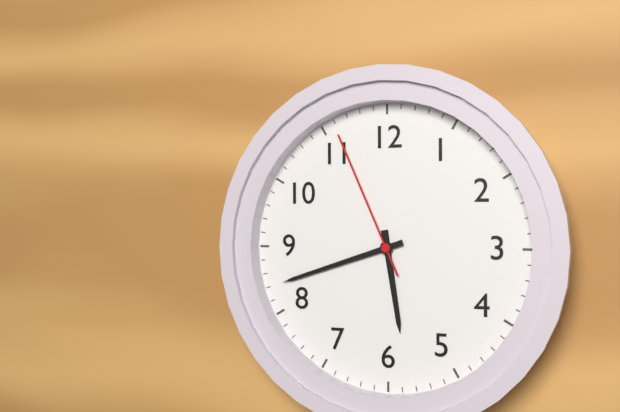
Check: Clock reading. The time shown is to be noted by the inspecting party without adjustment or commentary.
5:42:56
